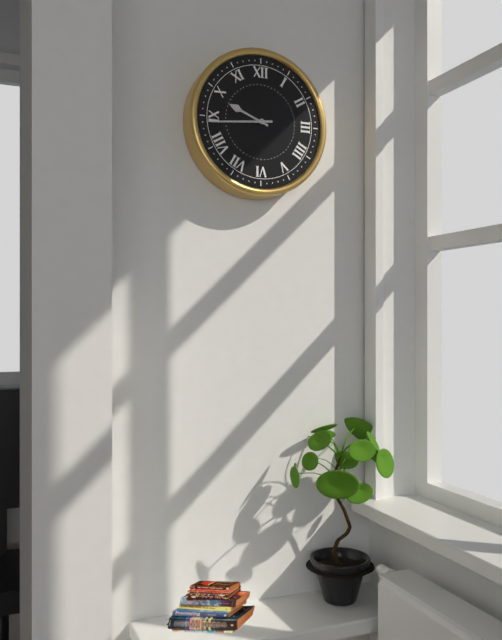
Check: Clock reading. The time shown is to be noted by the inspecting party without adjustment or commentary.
9:44
